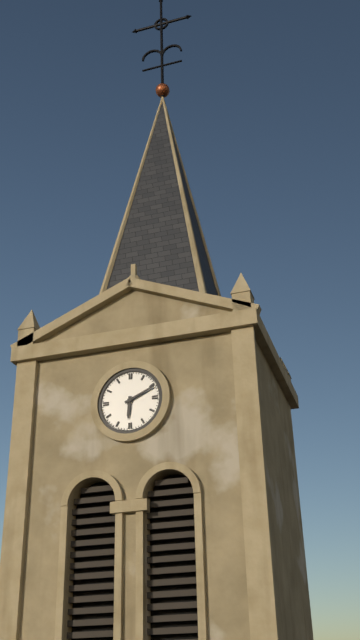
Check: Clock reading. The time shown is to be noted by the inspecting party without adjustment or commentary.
6:11
